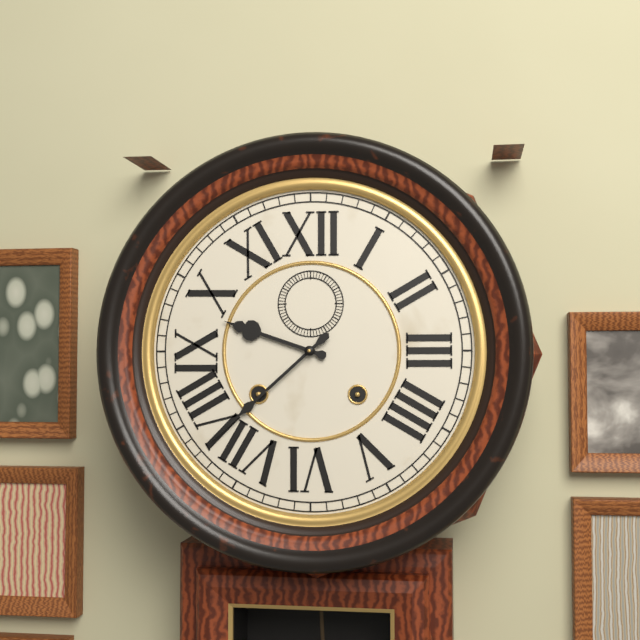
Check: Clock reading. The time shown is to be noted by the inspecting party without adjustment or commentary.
9:38
